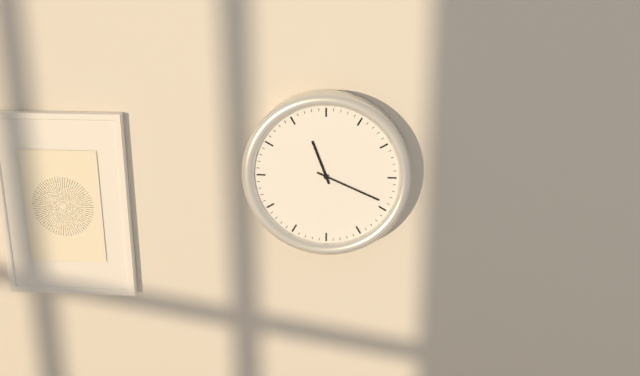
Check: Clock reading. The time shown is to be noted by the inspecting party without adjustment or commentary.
11:19
